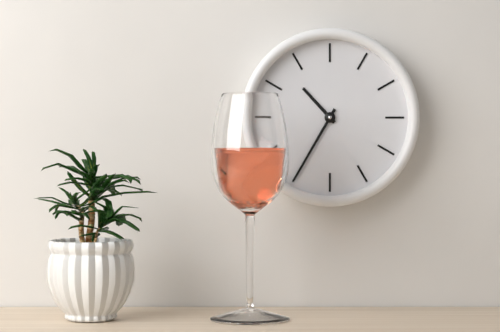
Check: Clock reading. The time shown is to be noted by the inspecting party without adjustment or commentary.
10:35
